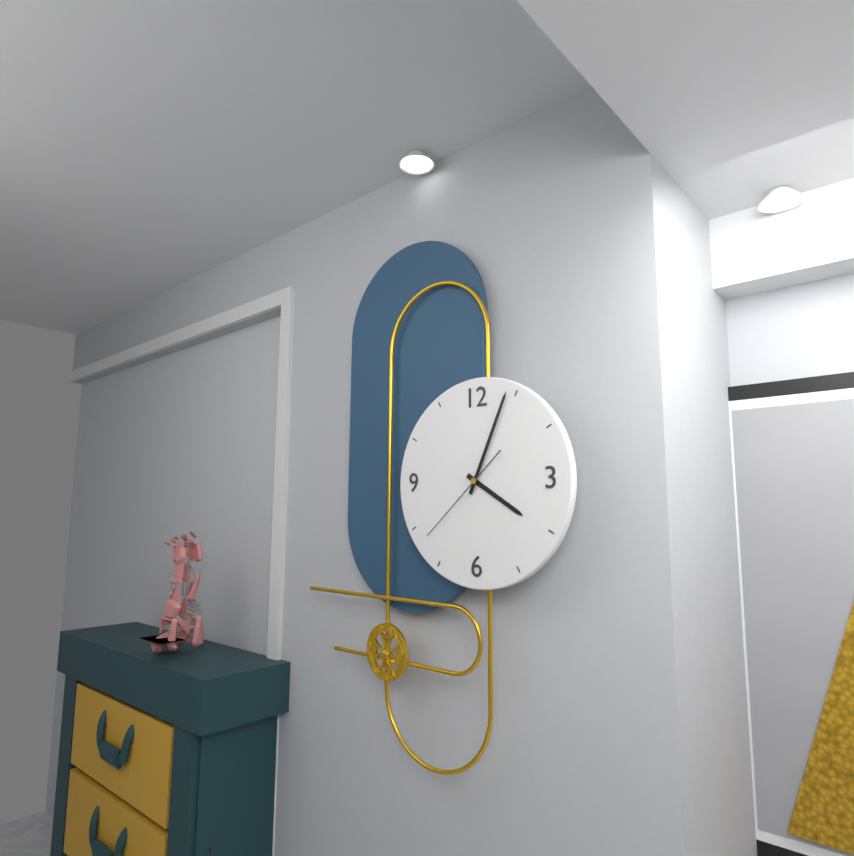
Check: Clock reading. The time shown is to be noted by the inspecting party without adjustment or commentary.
4:04:38
